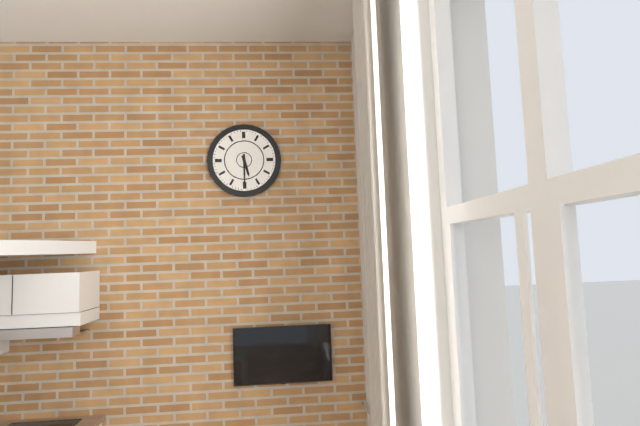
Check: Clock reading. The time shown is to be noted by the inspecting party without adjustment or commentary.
5:30
